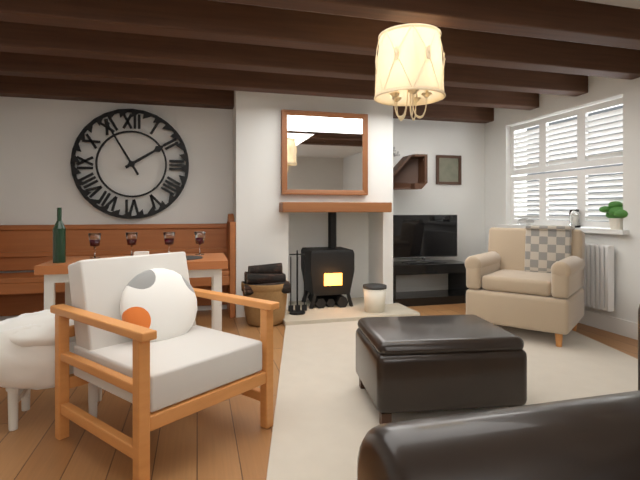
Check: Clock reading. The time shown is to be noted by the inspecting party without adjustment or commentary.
1:55
